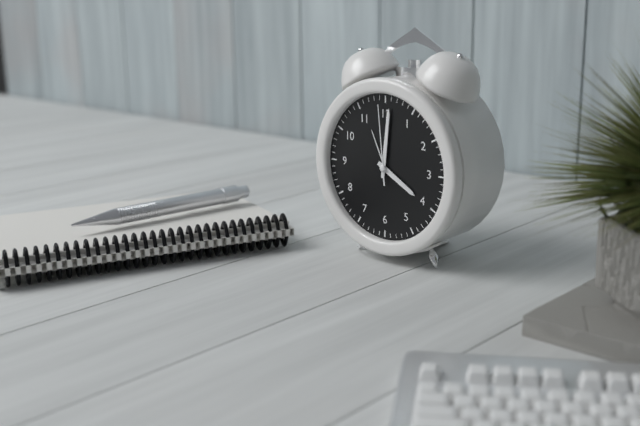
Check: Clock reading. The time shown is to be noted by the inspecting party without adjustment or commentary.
4:01:59
